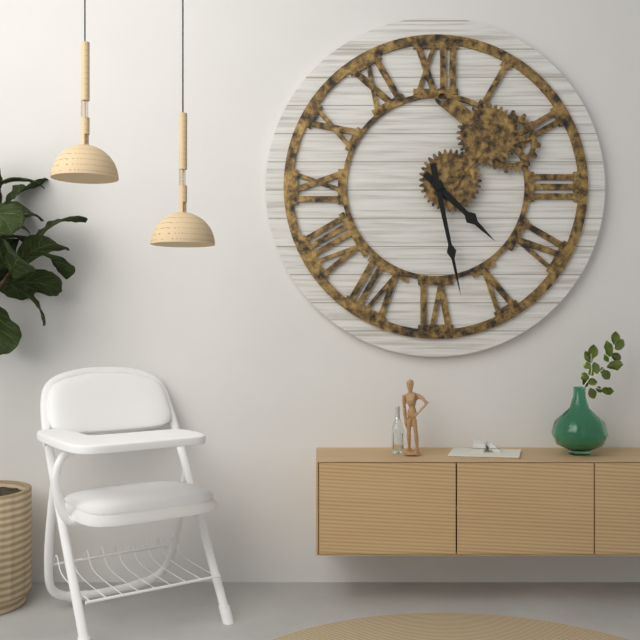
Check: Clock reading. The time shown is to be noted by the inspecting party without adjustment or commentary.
4:28
